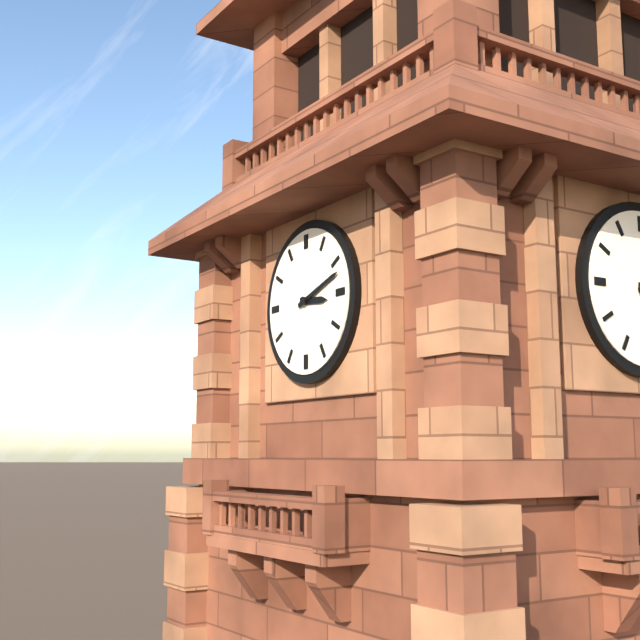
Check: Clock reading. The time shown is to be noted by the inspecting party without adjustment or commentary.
3:12
